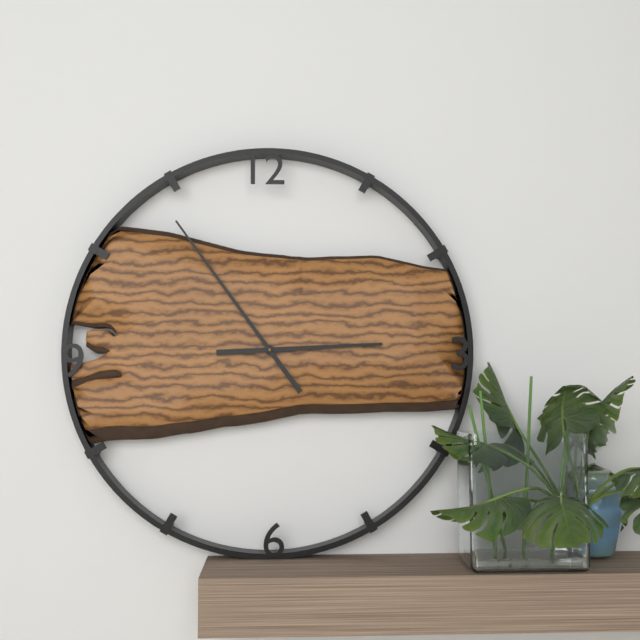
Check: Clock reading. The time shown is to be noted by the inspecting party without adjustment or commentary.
2:54
